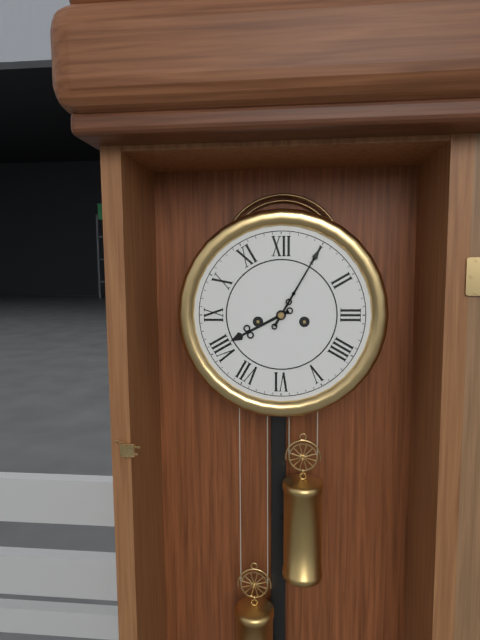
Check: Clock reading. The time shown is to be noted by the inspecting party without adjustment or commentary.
8:05
